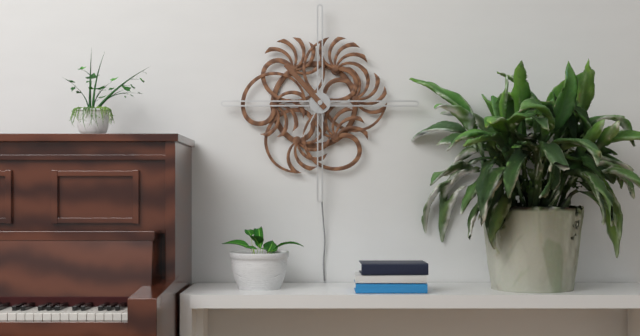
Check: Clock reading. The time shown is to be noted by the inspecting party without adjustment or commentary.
6:53
